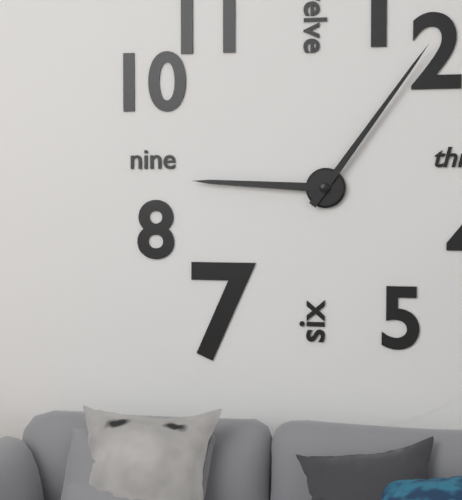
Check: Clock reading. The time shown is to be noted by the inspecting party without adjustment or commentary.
9:06
